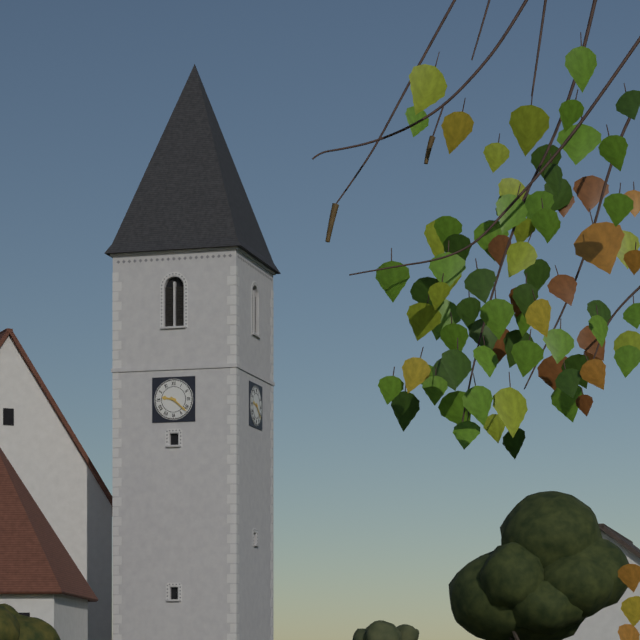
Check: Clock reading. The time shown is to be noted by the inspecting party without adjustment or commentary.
9:22
